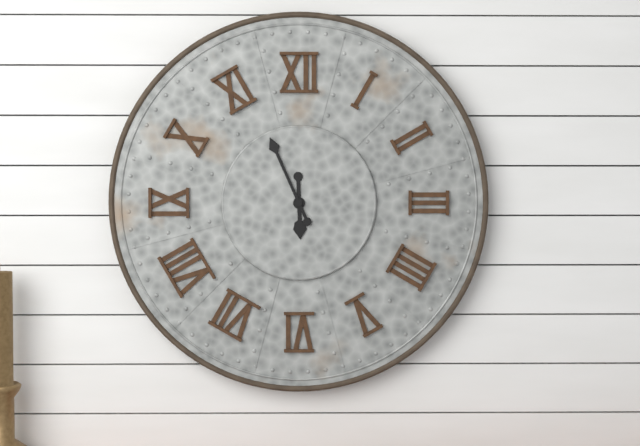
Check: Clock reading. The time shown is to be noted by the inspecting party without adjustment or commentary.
5:56
